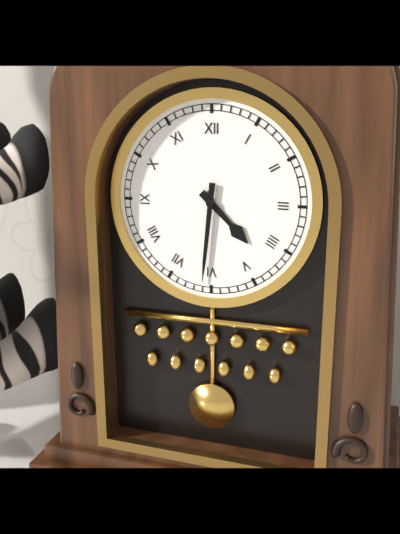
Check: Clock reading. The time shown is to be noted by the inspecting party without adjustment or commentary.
4:31
